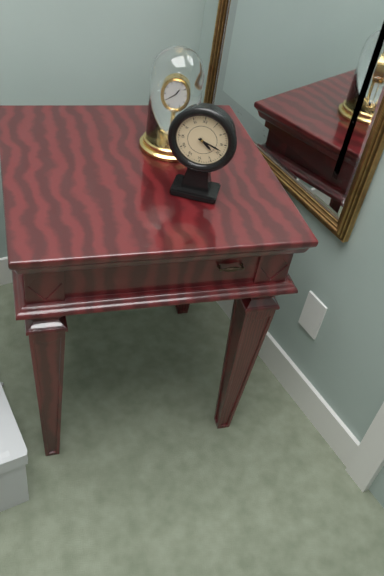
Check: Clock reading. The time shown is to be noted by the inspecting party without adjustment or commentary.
4:18
